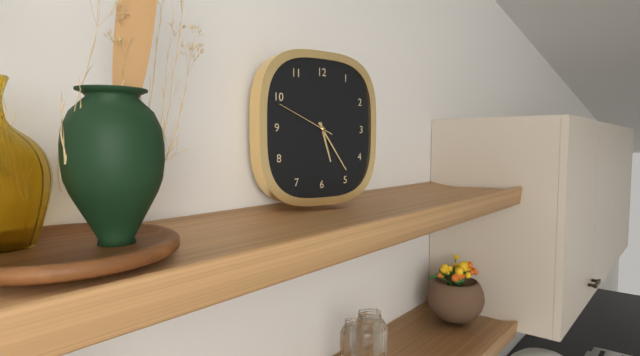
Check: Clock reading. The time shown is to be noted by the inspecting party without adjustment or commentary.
5:24:49
